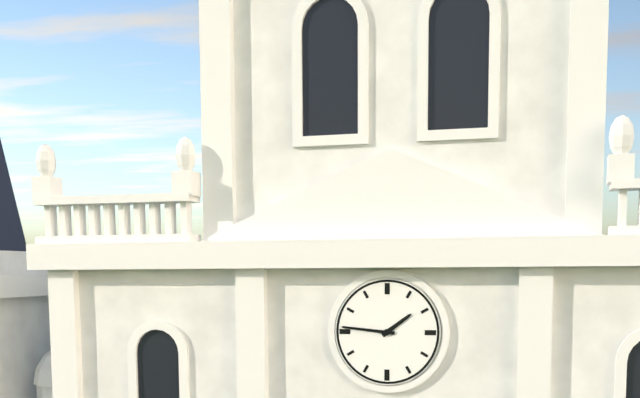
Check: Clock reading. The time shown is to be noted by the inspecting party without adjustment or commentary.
1:46
